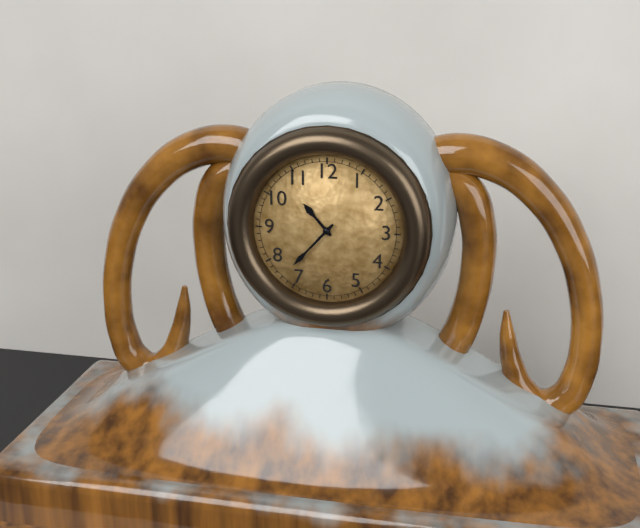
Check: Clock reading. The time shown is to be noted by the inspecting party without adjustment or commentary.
10:37
